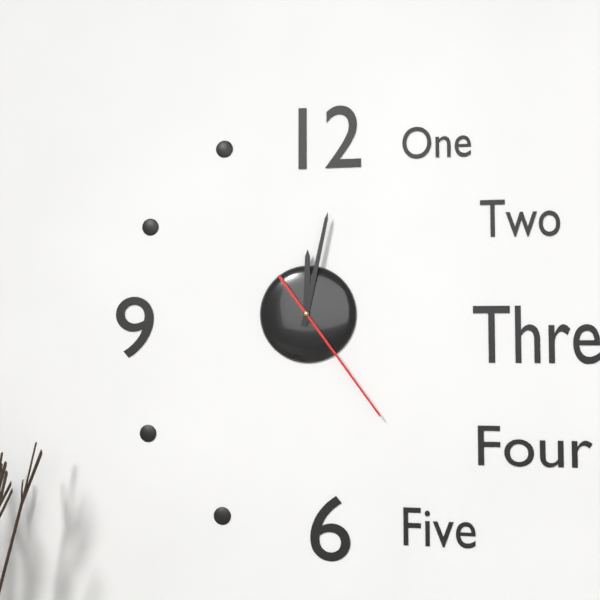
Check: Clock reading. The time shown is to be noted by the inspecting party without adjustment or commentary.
12:02:24
